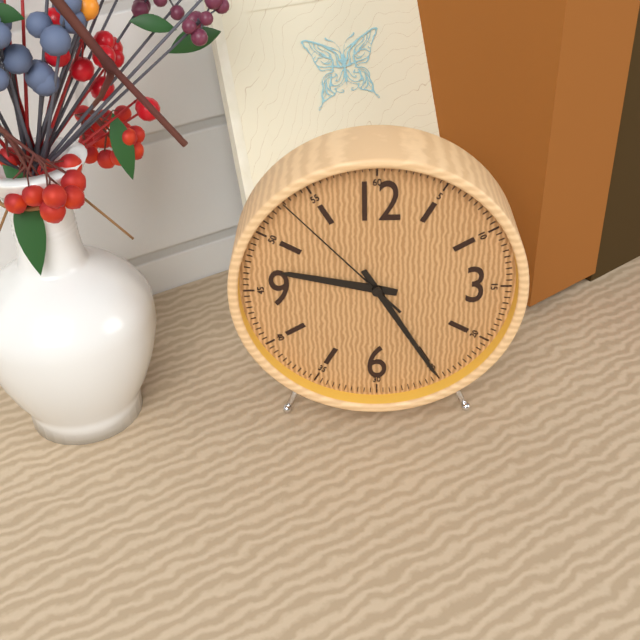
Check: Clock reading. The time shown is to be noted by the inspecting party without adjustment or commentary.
9:25:53
